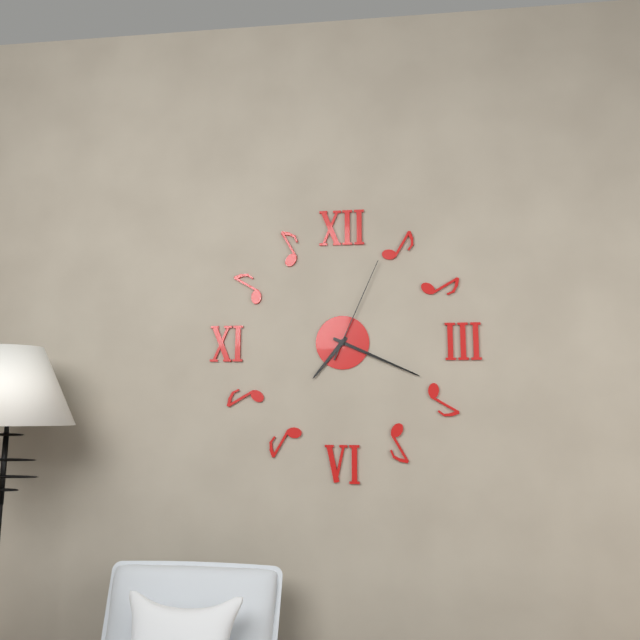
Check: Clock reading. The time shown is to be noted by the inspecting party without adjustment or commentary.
7:19:04
